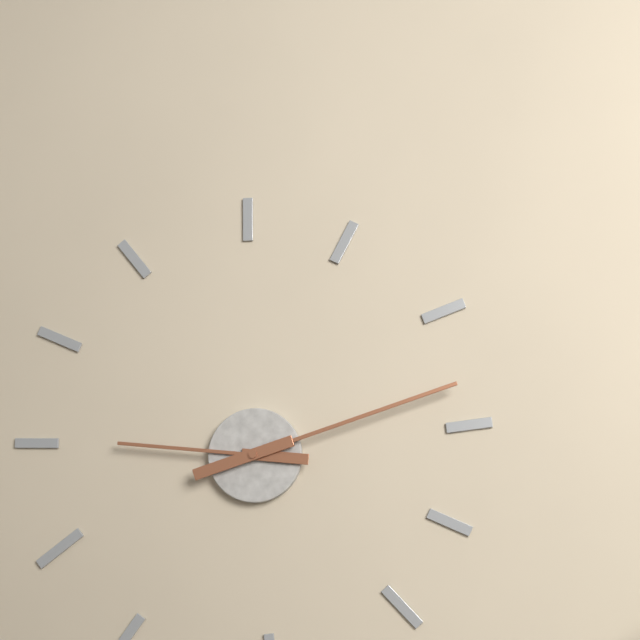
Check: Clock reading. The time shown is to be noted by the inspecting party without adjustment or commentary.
9:12
